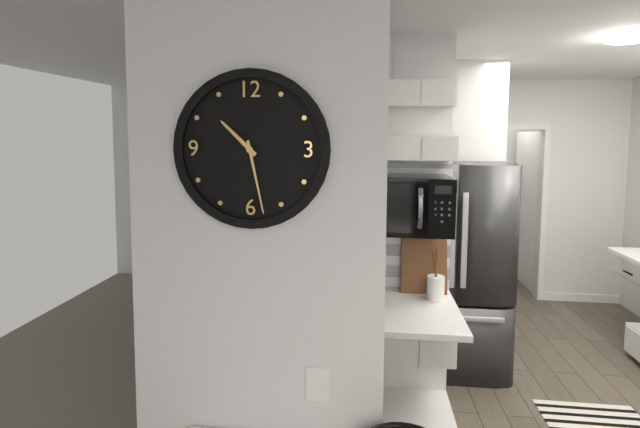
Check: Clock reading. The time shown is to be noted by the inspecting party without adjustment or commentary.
10:28
